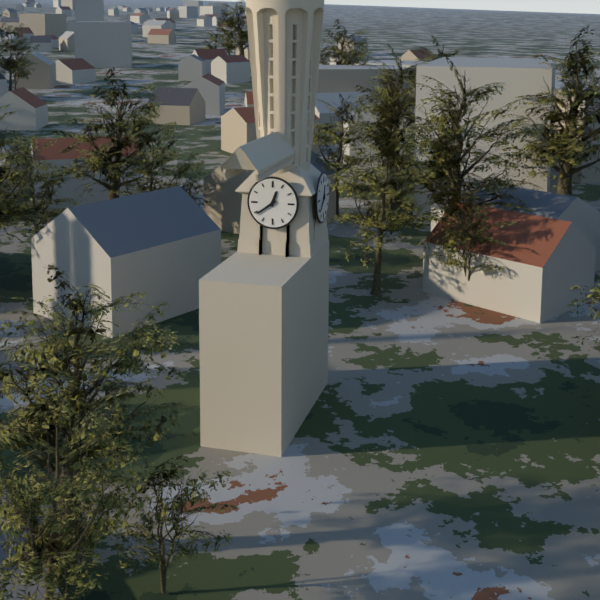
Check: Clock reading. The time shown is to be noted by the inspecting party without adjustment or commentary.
12:39
